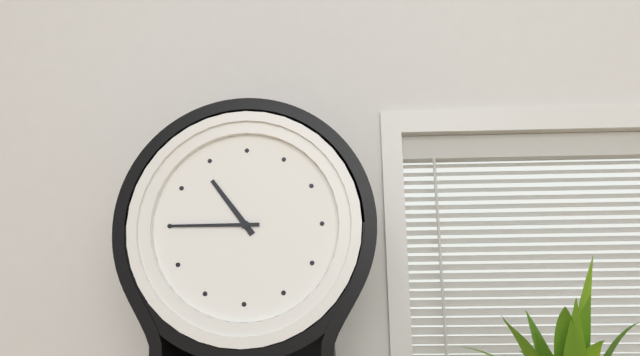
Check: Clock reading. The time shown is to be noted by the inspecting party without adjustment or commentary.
10:45
